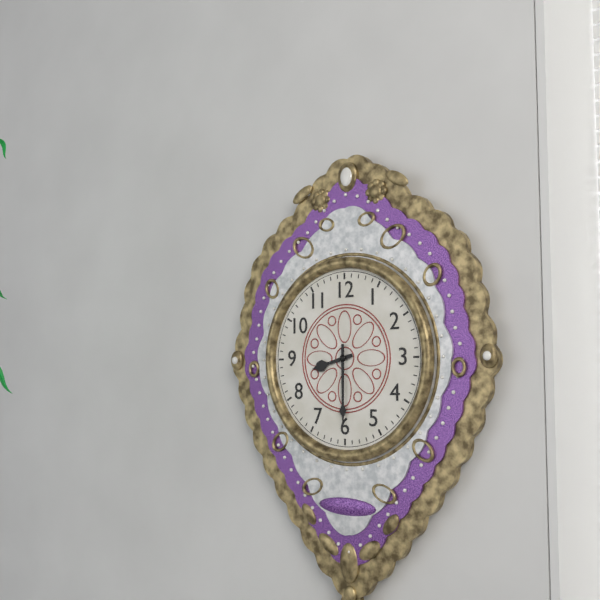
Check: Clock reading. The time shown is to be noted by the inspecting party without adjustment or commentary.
8:30
